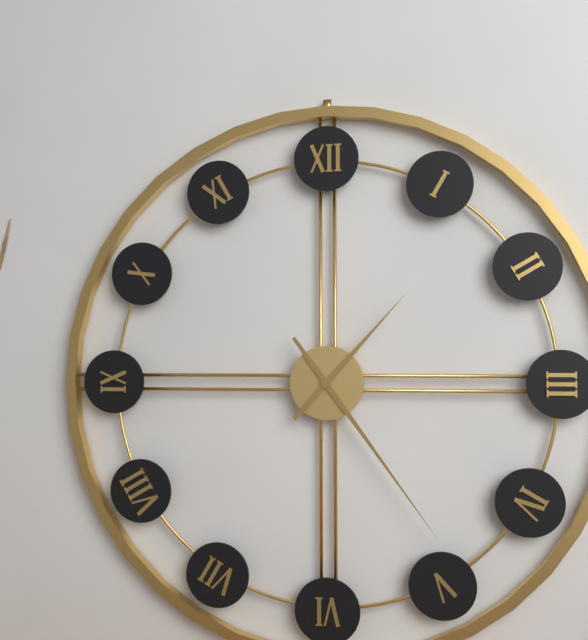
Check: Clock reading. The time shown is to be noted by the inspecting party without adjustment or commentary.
1:24
